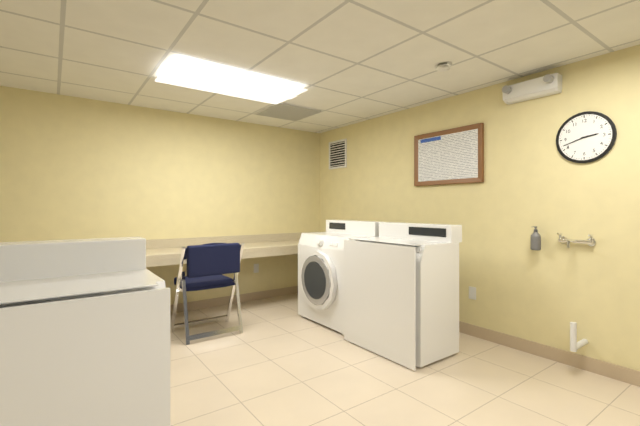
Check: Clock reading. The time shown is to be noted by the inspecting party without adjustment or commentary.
2:42
